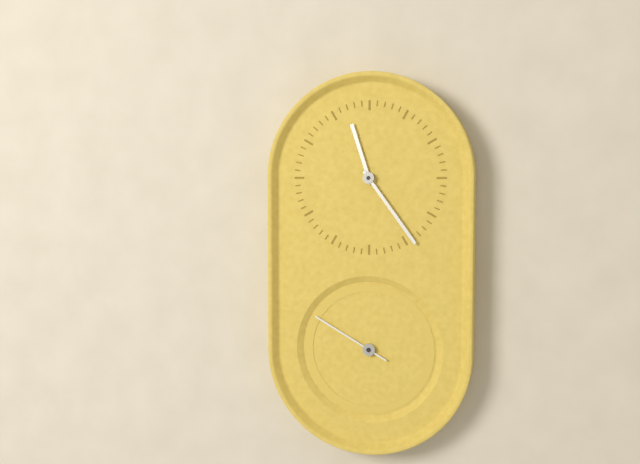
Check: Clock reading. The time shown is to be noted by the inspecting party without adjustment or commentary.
11:24:50
